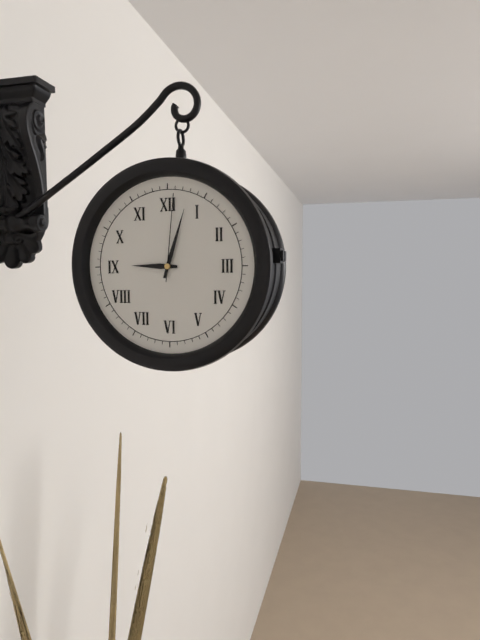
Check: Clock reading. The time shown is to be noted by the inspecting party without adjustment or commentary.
9:03:01
